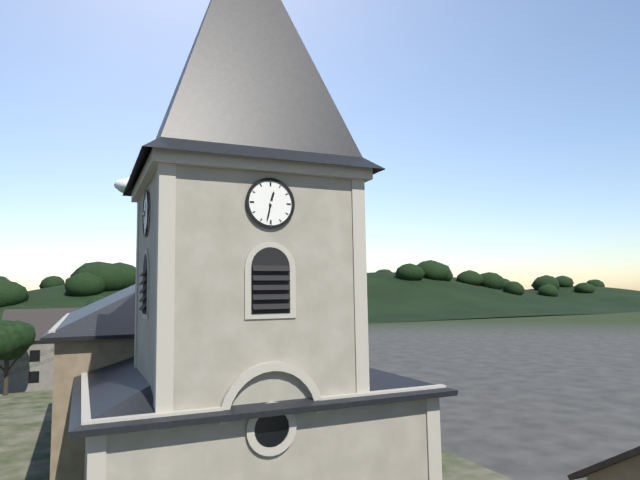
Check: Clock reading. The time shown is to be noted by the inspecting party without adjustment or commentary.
12:32
